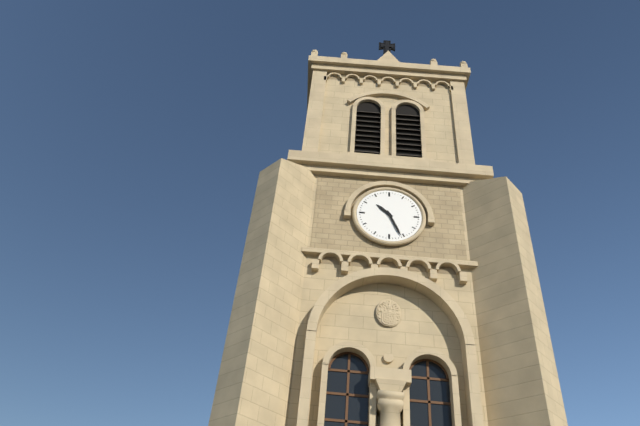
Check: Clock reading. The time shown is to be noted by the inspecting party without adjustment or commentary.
10:26
